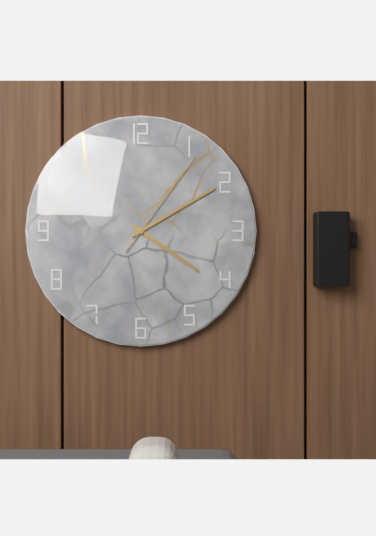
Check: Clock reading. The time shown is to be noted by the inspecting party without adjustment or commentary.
4:10:06
